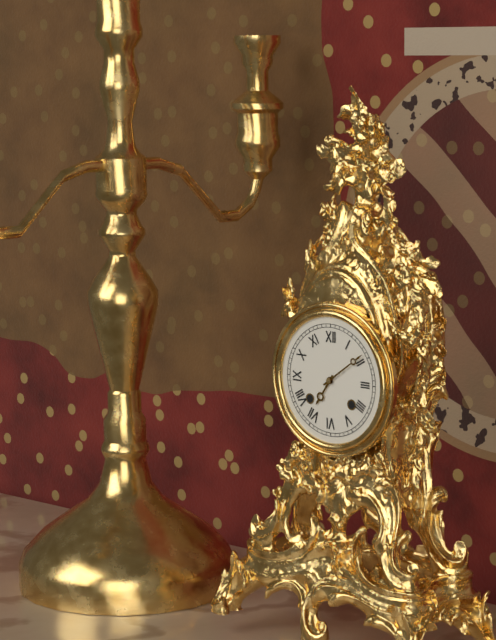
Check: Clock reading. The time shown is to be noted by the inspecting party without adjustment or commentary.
7:09
